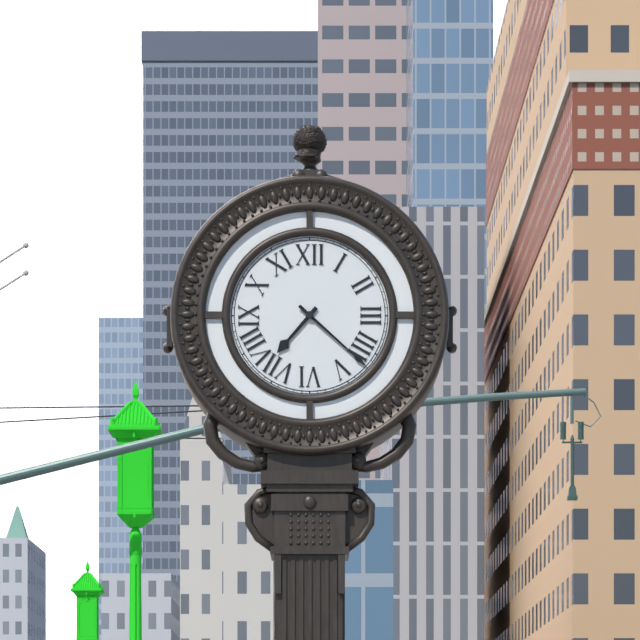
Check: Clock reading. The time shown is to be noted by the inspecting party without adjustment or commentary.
7:22
